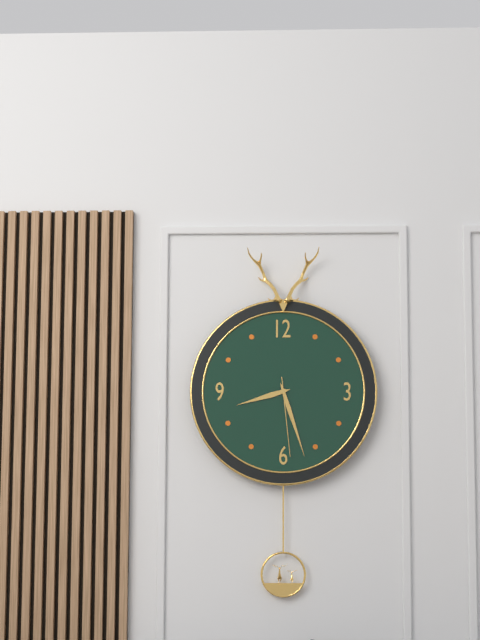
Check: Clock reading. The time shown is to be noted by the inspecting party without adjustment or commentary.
8:27:29
